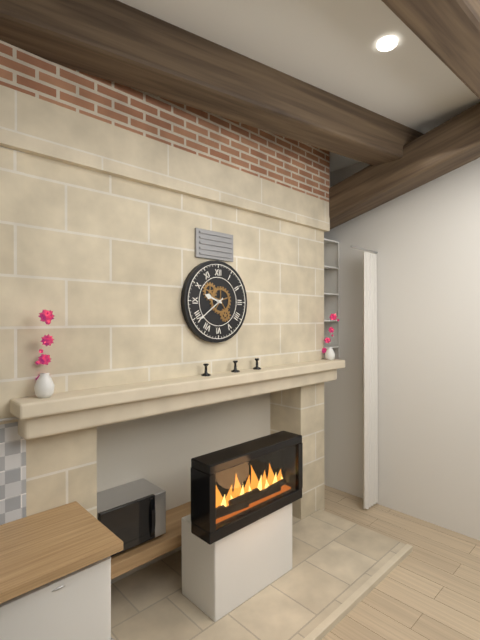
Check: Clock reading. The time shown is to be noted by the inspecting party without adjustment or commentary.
9:39
